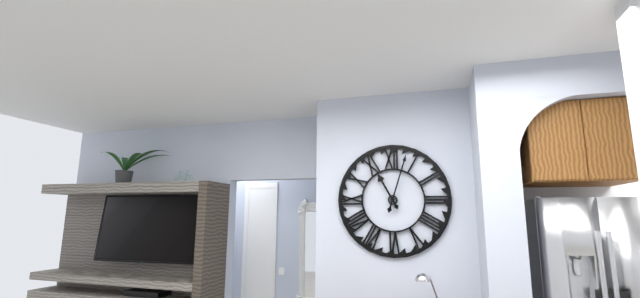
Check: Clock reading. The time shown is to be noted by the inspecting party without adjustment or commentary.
11:03
